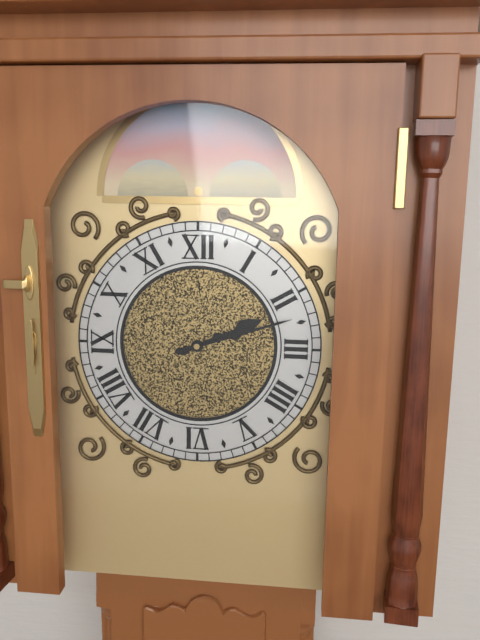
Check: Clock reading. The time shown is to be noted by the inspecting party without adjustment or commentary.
2:12
